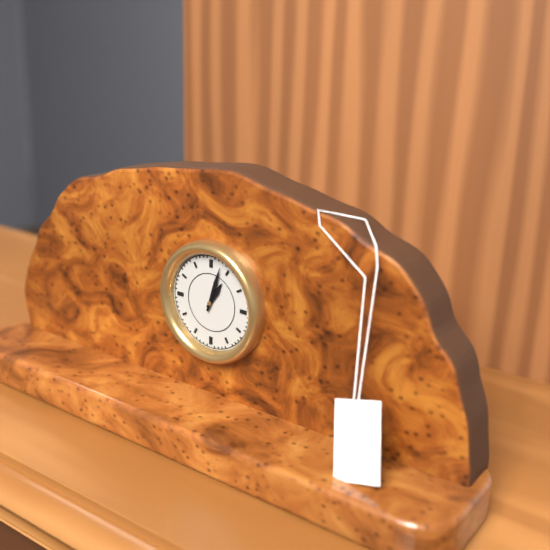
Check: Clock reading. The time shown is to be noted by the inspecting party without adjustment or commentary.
1:03
